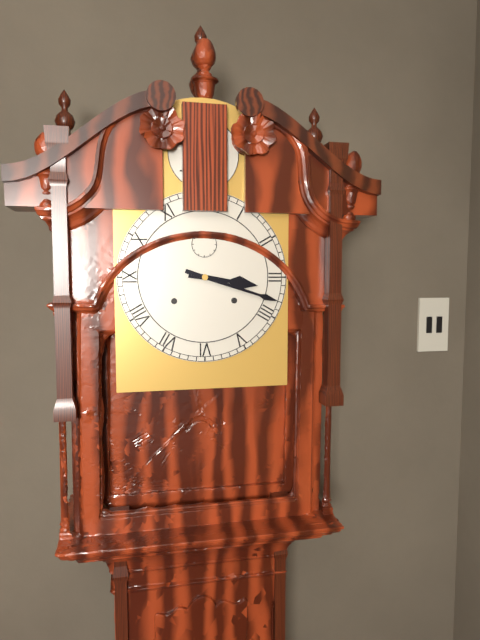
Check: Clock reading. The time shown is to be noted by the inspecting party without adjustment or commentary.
3:18
